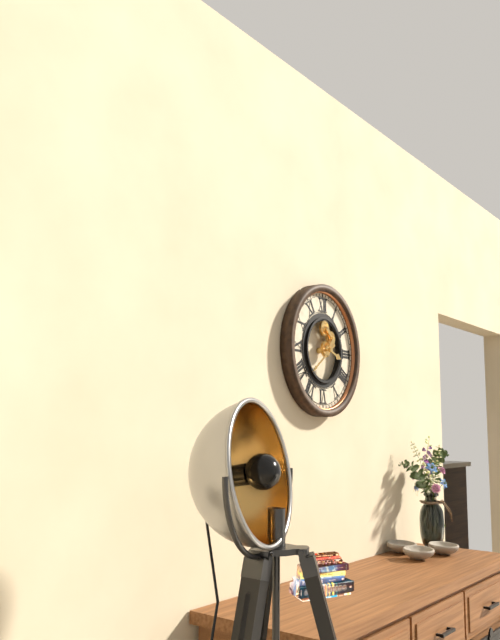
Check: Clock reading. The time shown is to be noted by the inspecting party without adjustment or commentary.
3:39
